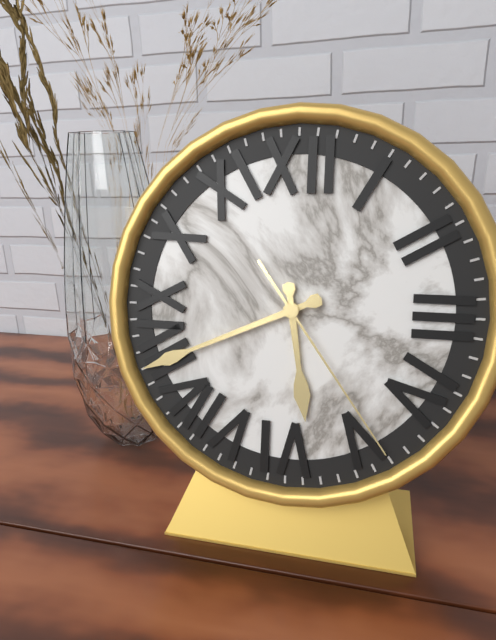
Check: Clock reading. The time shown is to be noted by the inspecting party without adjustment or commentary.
5:41:24
